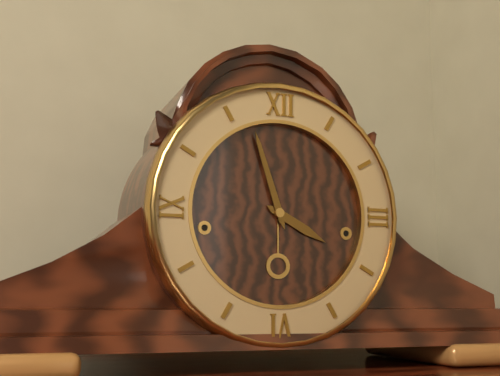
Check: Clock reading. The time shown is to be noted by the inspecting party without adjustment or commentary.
3:57
